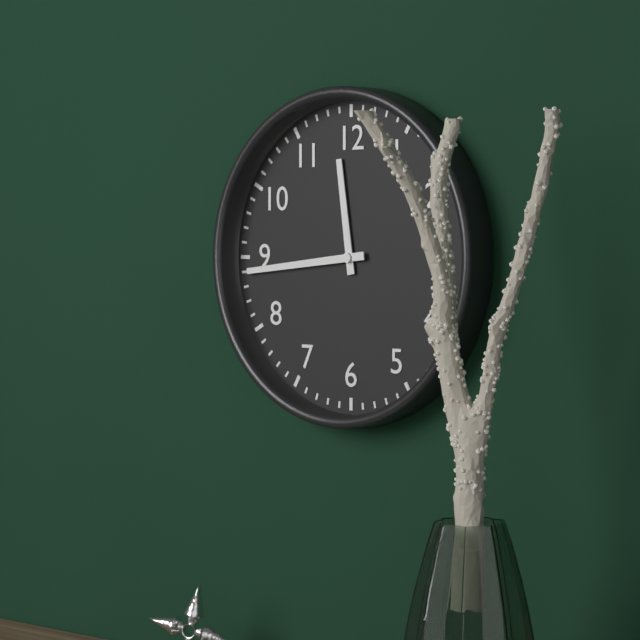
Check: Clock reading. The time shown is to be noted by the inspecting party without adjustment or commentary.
11:44
